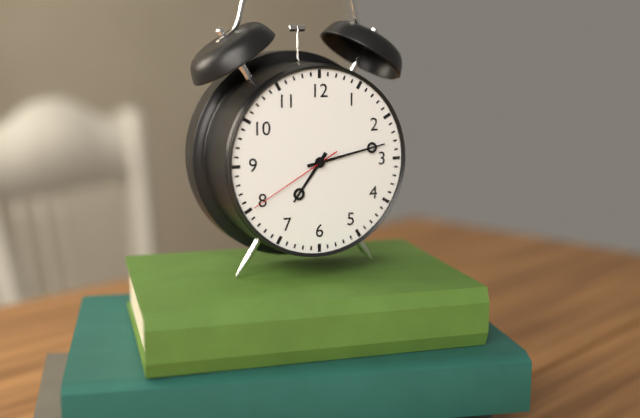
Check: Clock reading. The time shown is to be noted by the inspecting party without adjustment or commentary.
7:13:40
